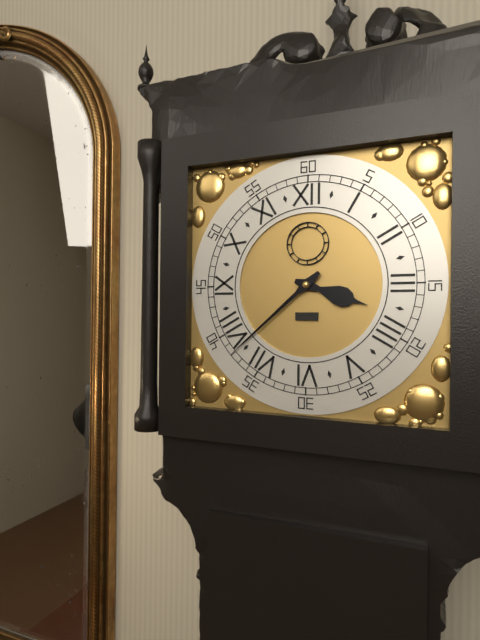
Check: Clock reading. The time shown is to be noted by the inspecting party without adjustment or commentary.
3:38
